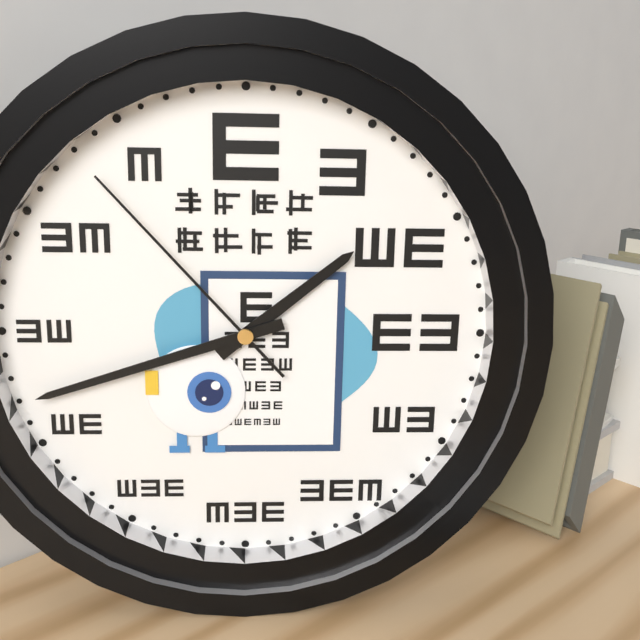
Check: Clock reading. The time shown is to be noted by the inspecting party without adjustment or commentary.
1:42:53
